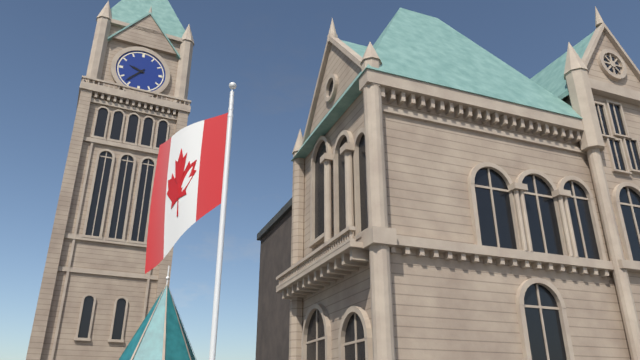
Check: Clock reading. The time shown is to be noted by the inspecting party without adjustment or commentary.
9:37
